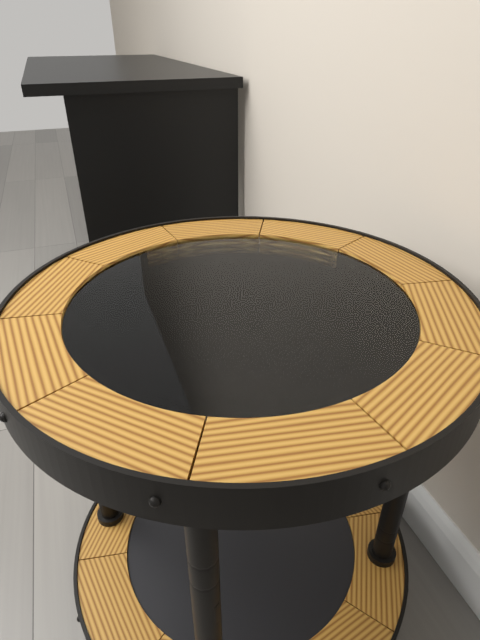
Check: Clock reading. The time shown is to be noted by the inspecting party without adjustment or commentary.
8:42
